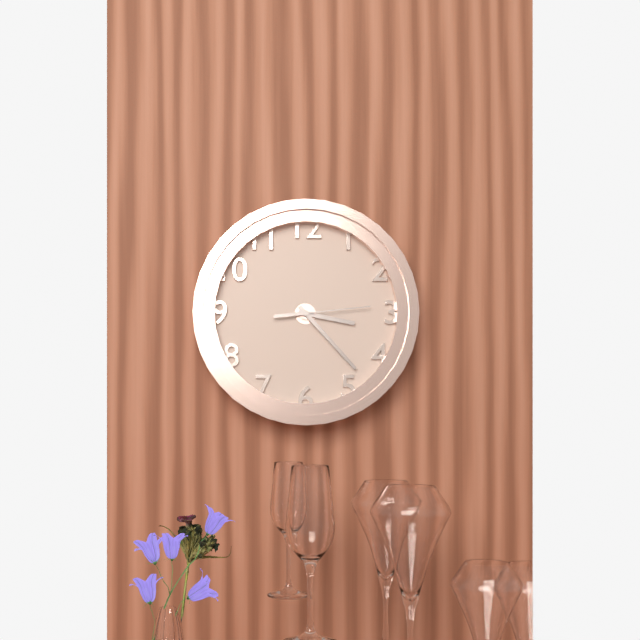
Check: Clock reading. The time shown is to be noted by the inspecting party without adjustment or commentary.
3:23:14
